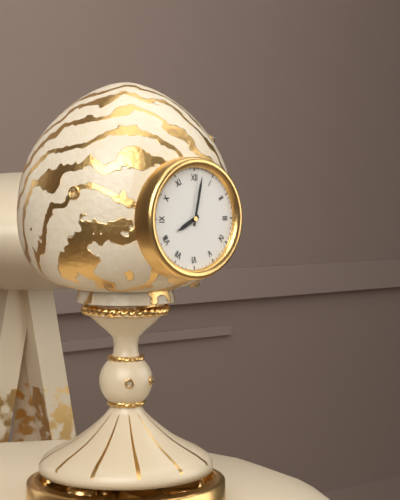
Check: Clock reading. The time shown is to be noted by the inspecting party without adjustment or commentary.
8:02
